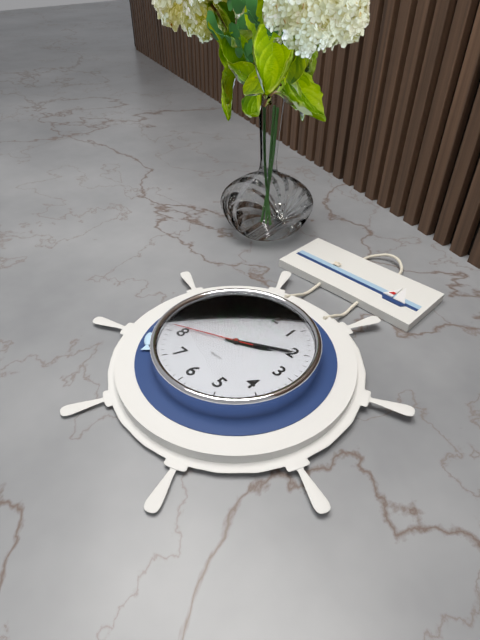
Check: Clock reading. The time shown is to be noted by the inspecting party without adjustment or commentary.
2:10:41
